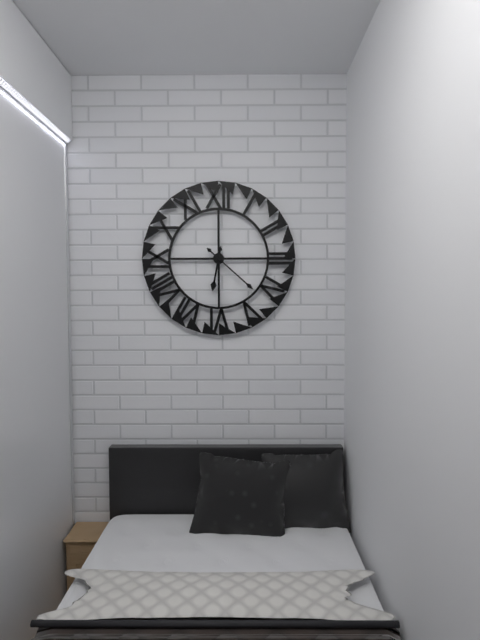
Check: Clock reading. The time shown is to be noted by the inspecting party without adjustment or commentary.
6:22
